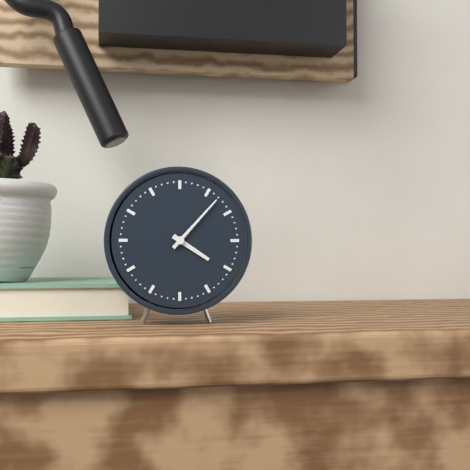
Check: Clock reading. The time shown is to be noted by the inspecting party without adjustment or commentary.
4:07
